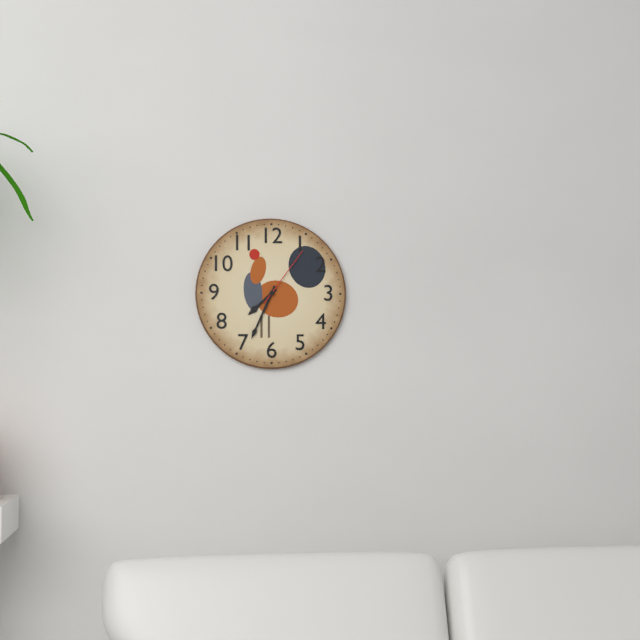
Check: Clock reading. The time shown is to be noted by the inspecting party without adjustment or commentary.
7:34:06
